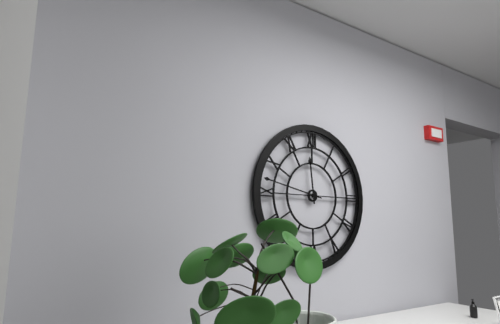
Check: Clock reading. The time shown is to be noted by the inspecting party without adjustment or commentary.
11:47
